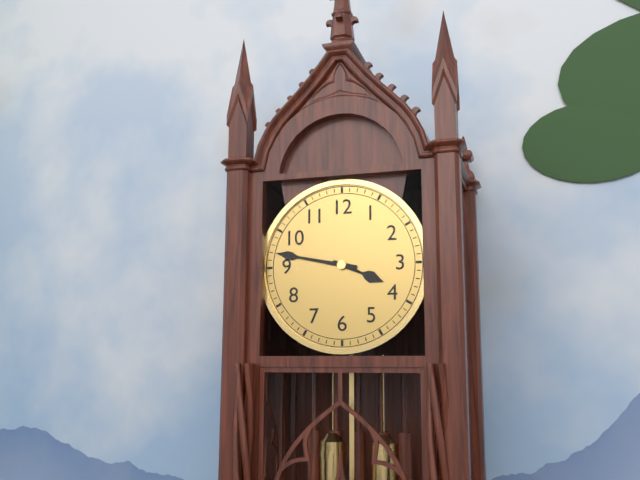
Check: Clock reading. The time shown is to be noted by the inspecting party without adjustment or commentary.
3:47
